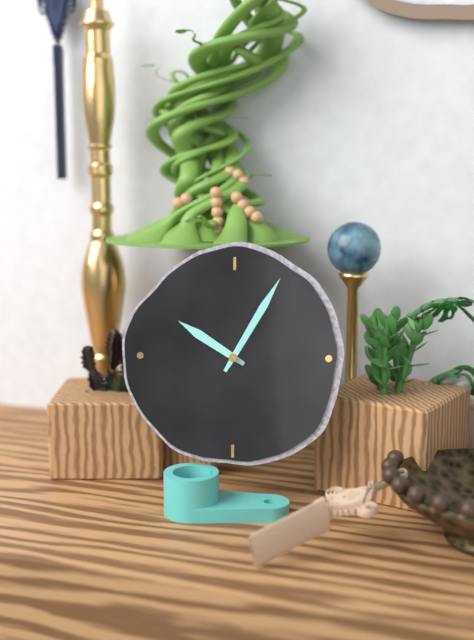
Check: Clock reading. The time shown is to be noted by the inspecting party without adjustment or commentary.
10:05
